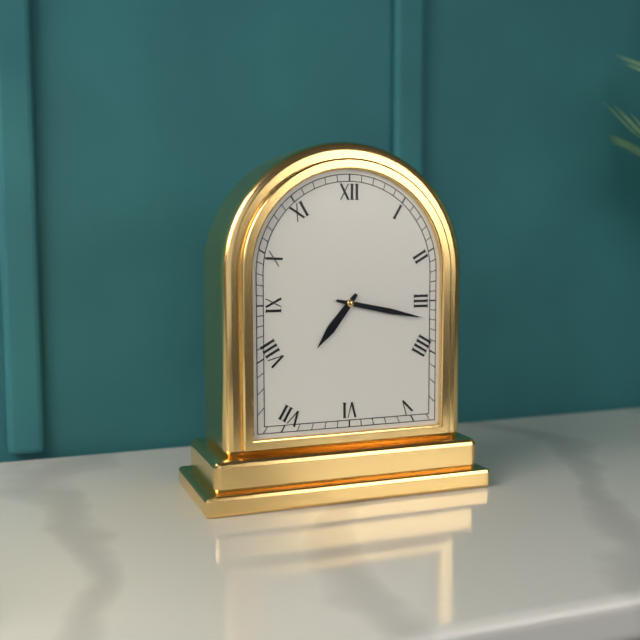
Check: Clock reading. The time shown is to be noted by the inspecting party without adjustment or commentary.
7:17
